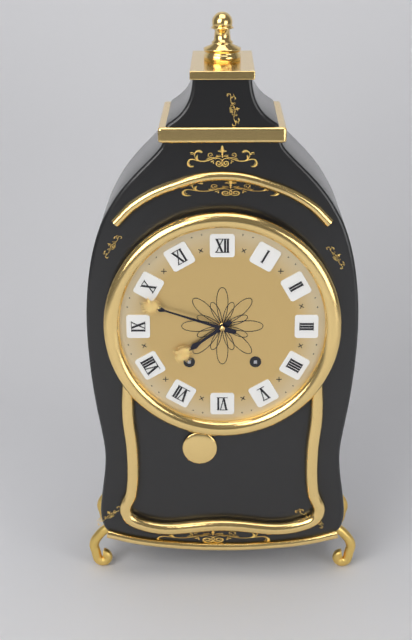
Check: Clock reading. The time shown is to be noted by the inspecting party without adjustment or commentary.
7:48
